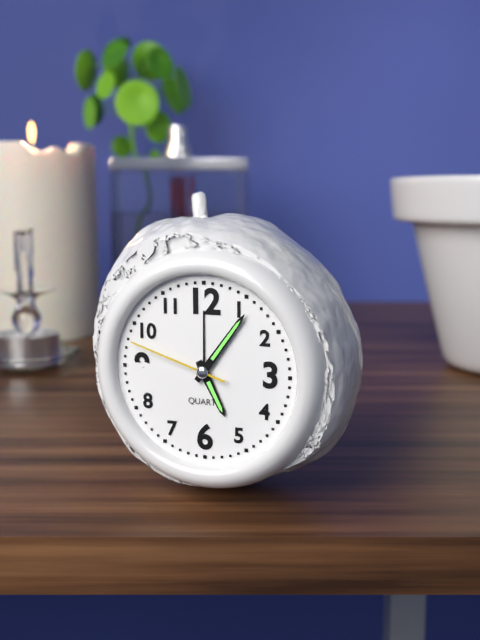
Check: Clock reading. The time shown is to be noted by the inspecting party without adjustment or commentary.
5:06:48
